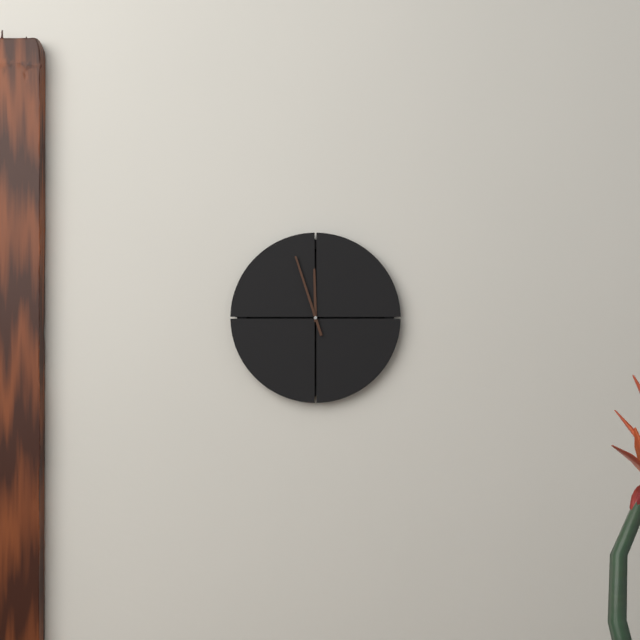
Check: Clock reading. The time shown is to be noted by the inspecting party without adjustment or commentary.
11:57
